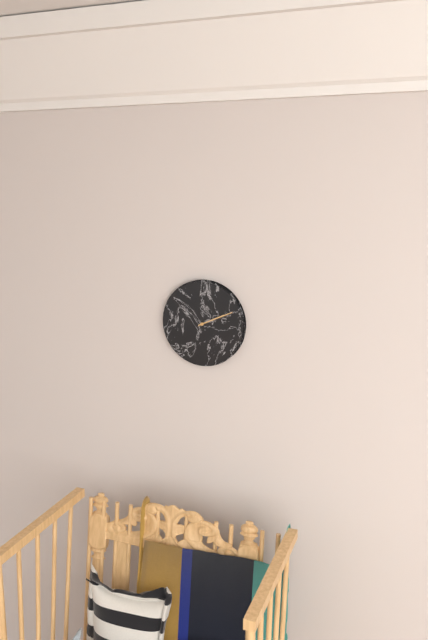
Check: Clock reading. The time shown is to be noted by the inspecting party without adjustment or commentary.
2:11
